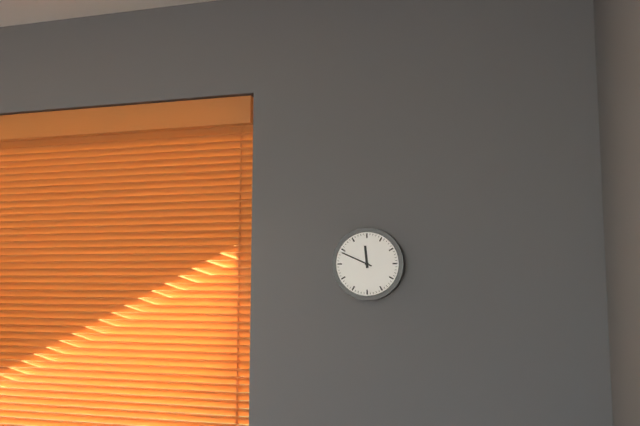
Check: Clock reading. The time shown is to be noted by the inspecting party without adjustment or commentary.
11:49
